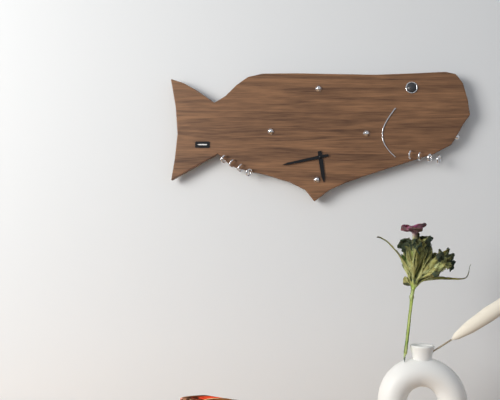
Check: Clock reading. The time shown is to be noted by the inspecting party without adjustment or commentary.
5:43
